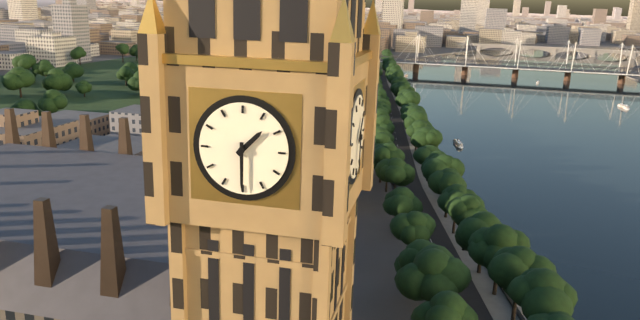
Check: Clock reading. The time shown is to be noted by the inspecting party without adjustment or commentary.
1:30
